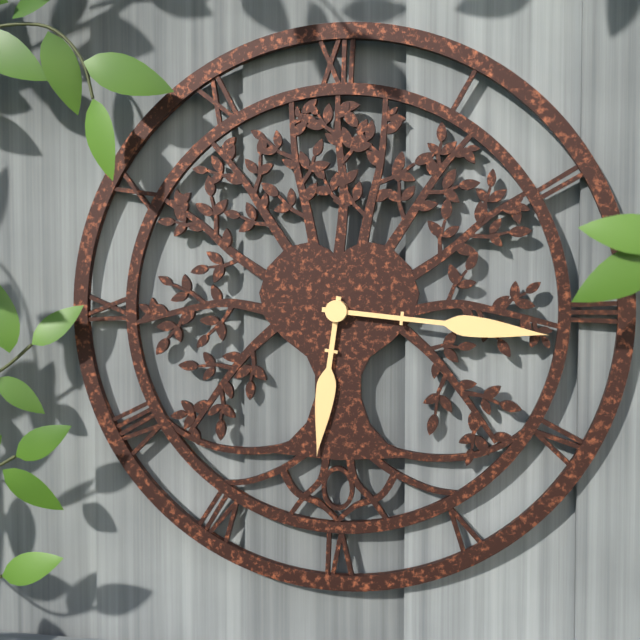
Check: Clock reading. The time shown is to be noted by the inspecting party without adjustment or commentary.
6:16
